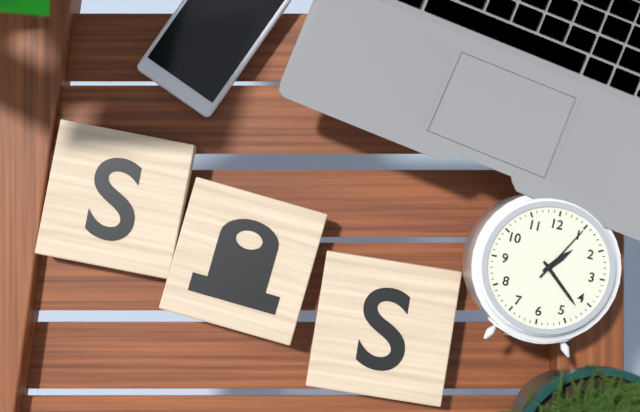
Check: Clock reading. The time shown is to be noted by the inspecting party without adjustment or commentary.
1:22:05
